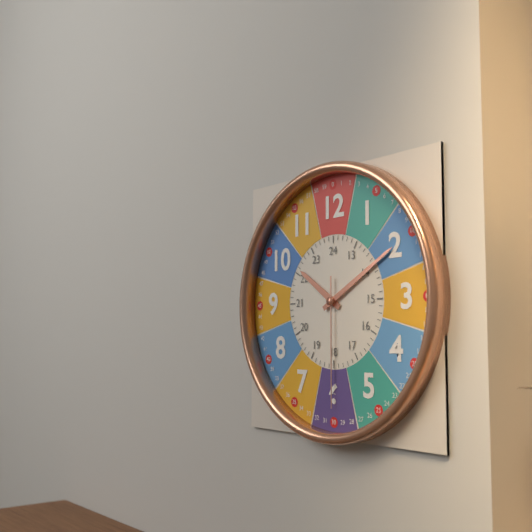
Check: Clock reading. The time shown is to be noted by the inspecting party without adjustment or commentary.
10:10:30
